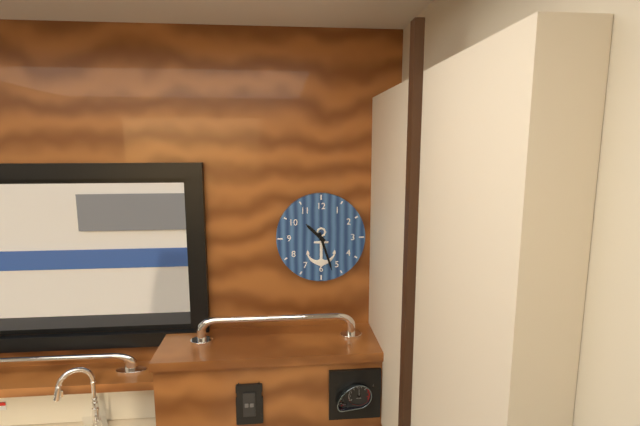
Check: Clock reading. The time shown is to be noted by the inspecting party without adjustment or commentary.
10:27
